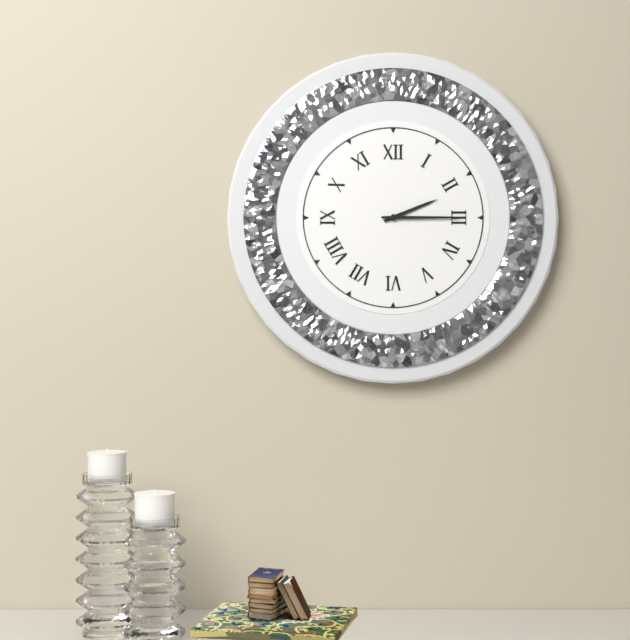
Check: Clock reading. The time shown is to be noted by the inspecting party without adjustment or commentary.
2:15
